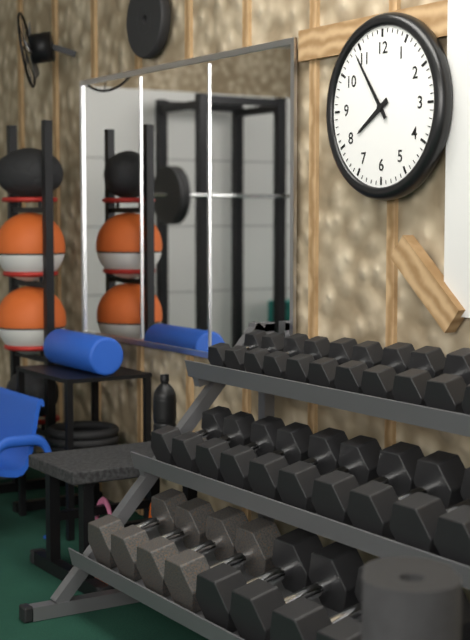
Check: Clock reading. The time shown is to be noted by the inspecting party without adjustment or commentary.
7:54
